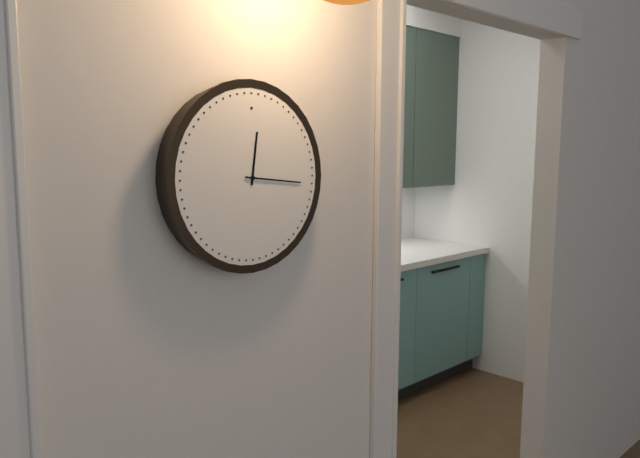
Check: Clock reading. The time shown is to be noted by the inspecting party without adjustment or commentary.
12:16
